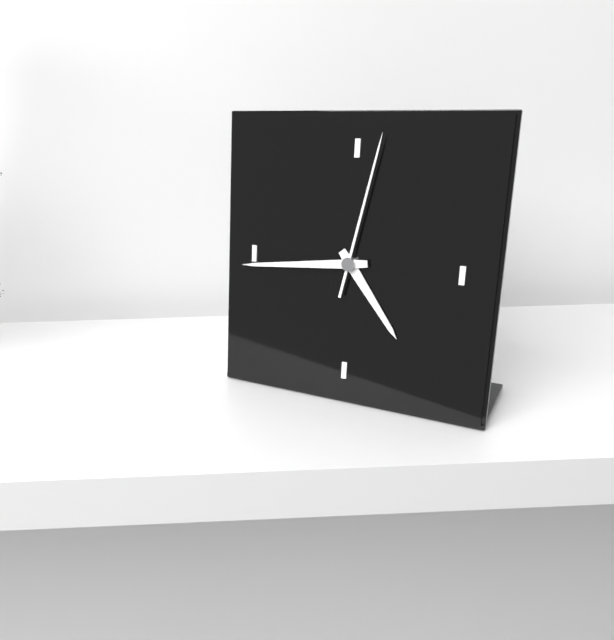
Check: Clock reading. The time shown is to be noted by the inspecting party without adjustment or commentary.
4:44:02
